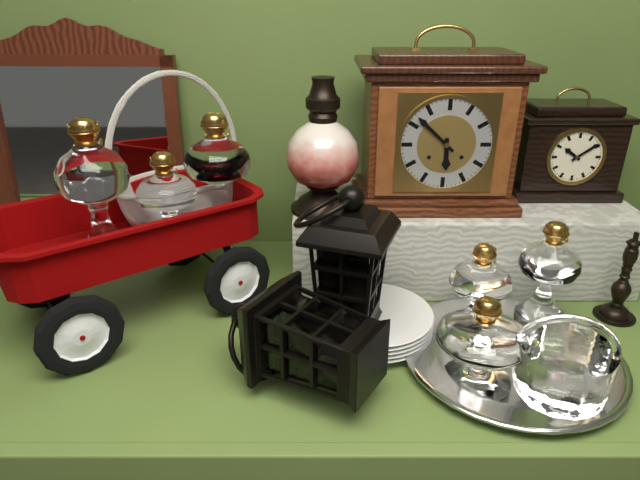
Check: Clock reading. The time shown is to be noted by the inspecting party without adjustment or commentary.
5:52
